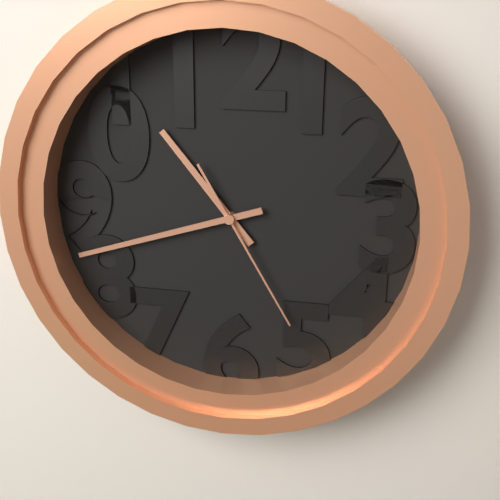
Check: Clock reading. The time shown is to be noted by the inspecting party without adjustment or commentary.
10:42:25
